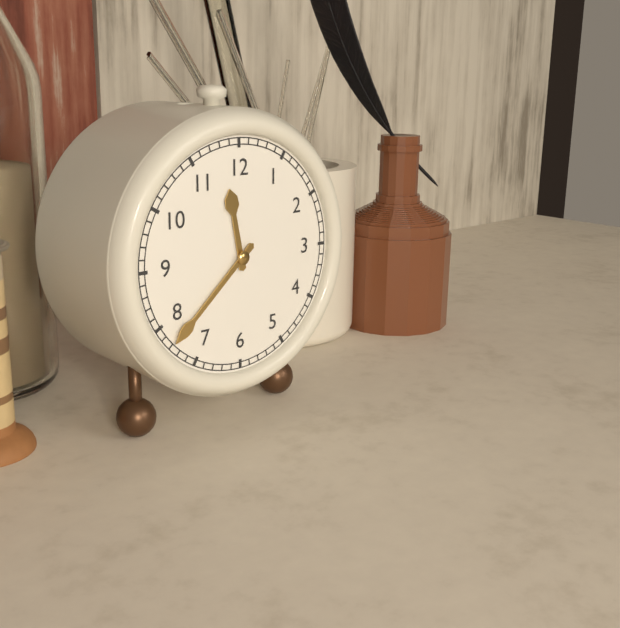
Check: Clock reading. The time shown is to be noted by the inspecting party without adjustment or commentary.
11:38
